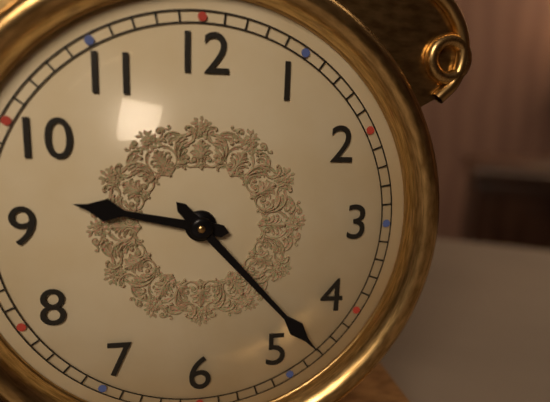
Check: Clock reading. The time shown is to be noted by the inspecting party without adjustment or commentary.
9:23
